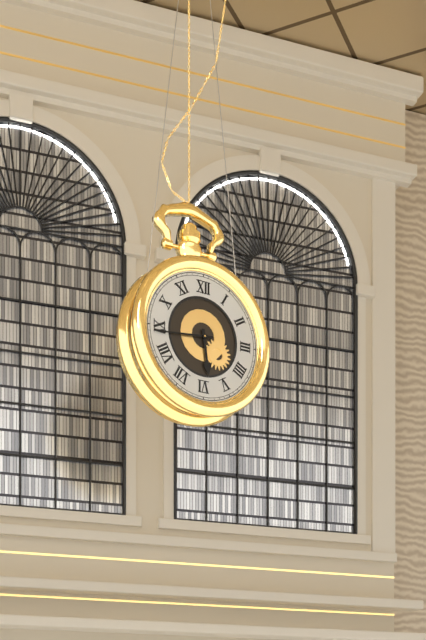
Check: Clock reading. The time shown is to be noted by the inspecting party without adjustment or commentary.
5:44
